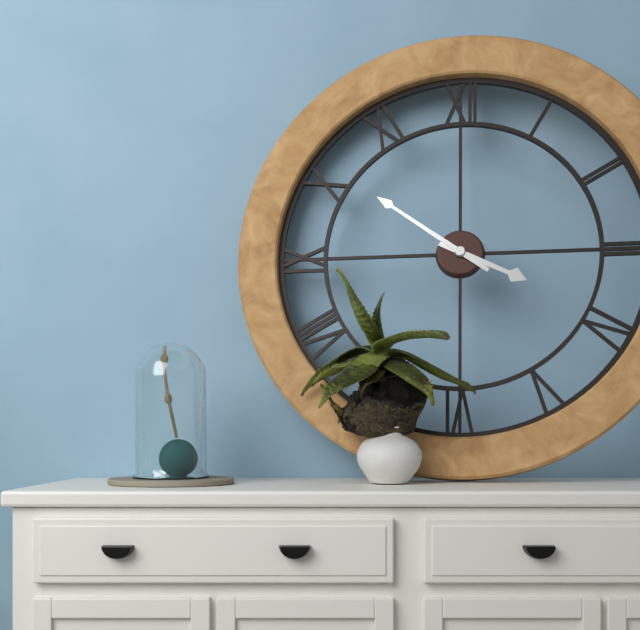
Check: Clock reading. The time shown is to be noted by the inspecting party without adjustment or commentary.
3:51
